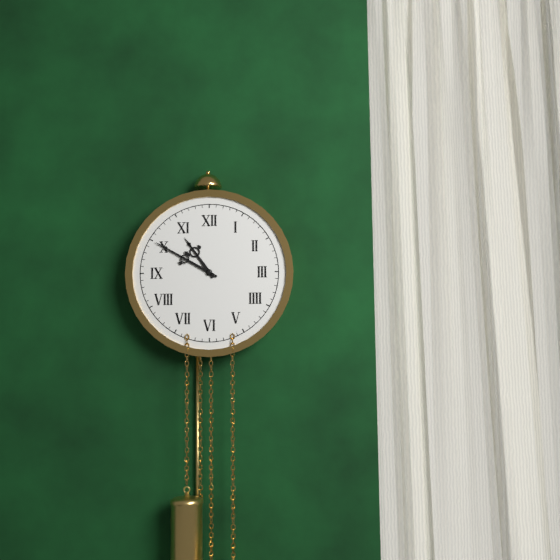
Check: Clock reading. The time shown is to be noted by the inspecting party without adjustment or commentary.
10:50
